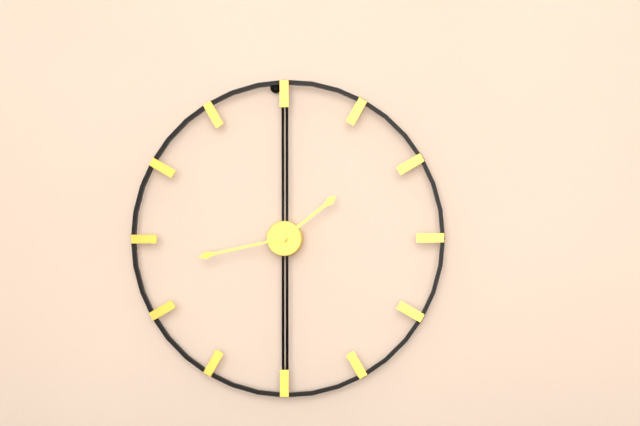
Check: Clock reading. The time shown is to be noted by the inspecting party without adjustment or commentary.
1:43
